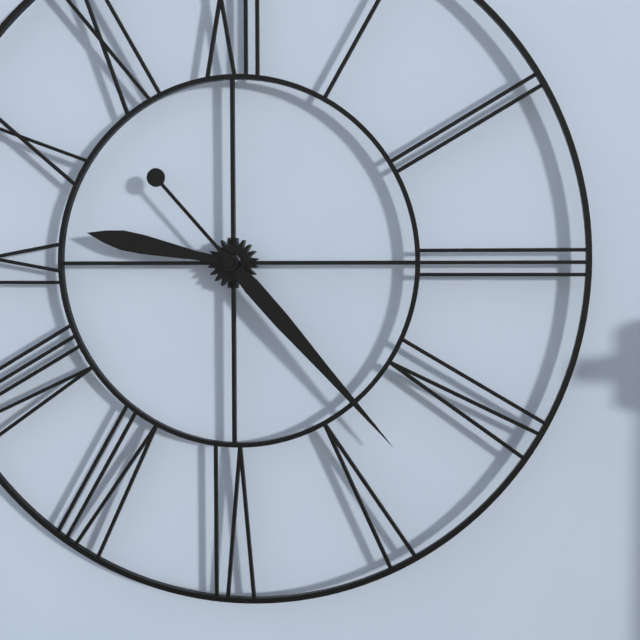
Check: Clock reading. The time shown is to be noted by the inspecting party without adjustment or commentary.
9:23
